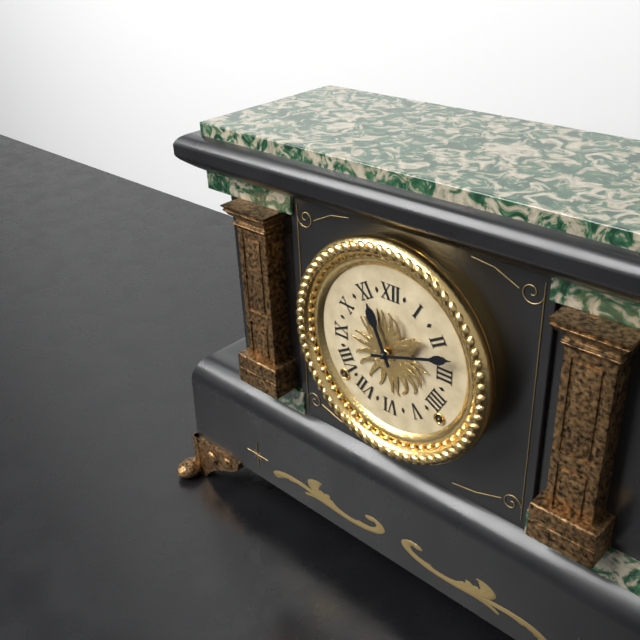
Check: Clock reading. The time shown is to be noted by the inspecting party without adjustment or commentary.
11:12
